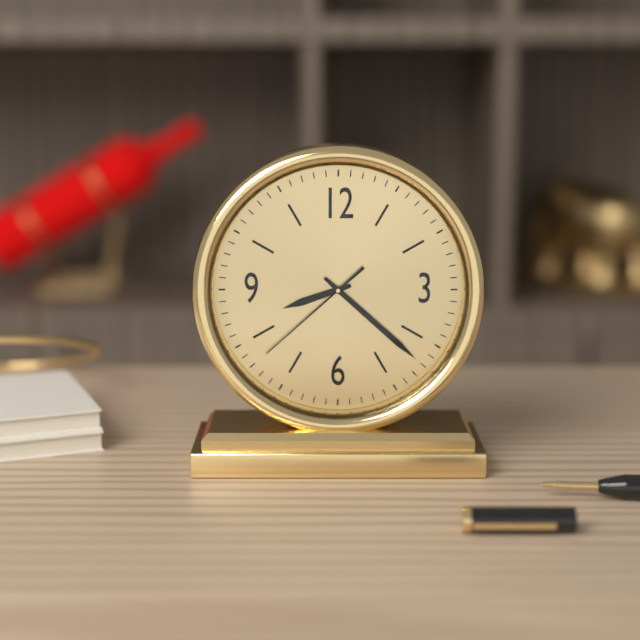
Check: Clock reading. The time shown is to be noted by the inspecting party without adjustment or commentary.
8:22:38
